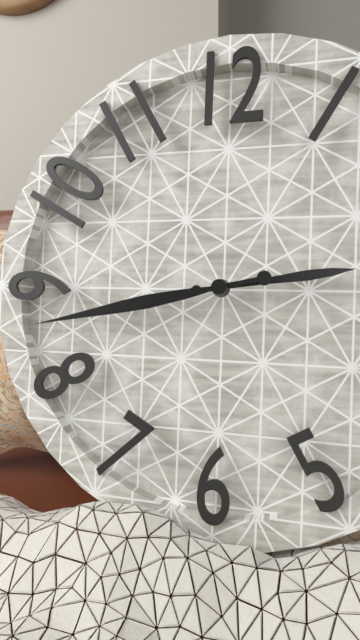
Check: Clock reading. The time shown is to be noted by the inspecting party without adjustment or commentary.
2:43
